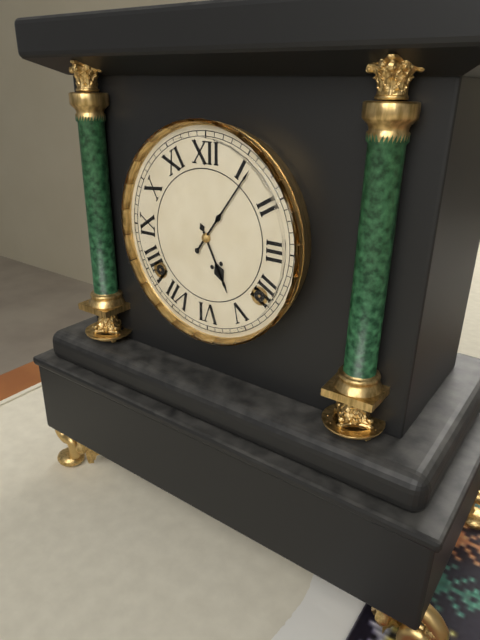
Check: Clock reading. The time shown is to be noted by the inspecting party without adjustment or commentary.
5:06
